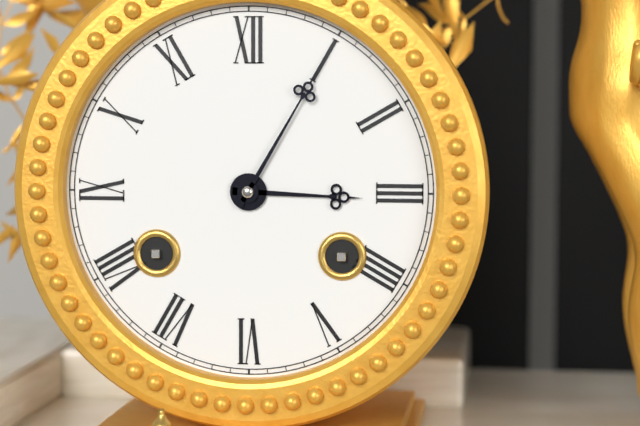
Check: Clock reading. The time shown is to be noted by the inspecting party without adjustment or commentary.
3:05
